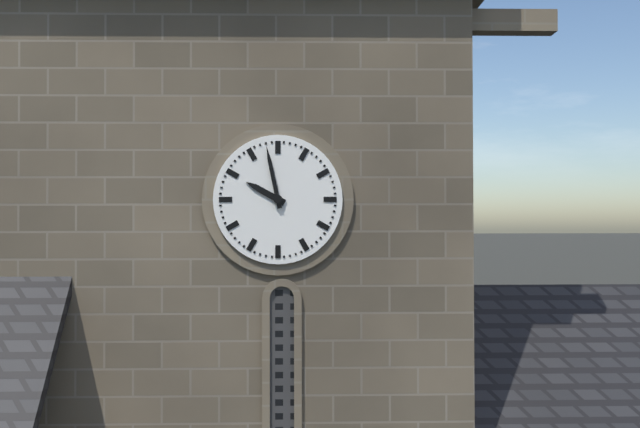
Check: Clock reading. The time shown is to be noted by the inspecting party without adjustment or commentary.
9:58
